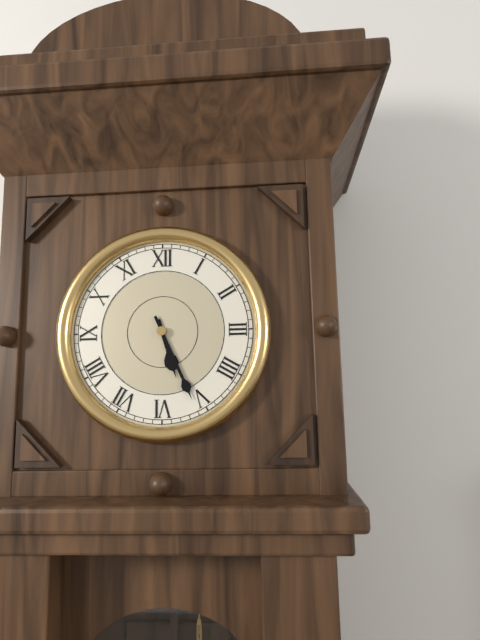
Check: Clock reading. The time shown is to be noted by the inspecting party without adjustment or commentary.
5:26
